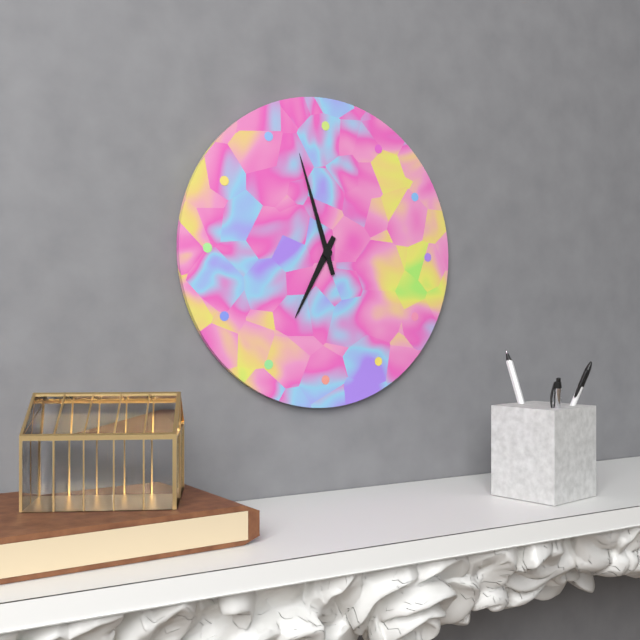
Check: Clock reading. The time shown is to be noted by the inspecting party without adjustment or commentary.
6:57
